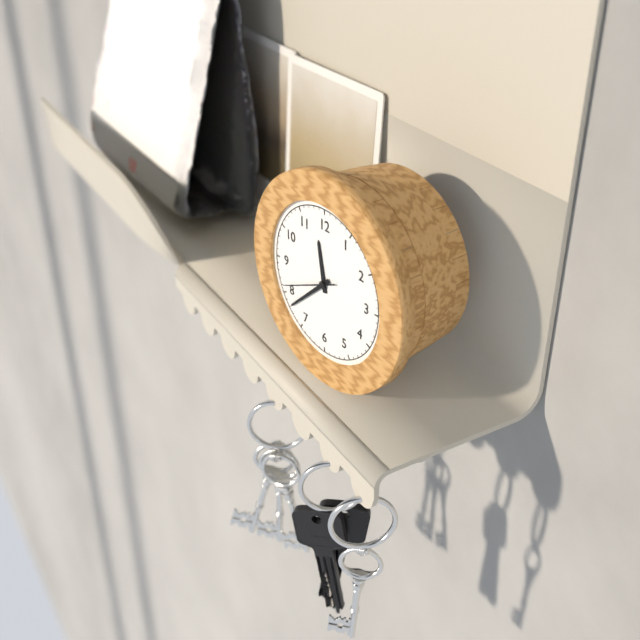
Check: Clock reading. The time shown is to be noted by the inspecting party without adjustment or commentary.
11:38:41
